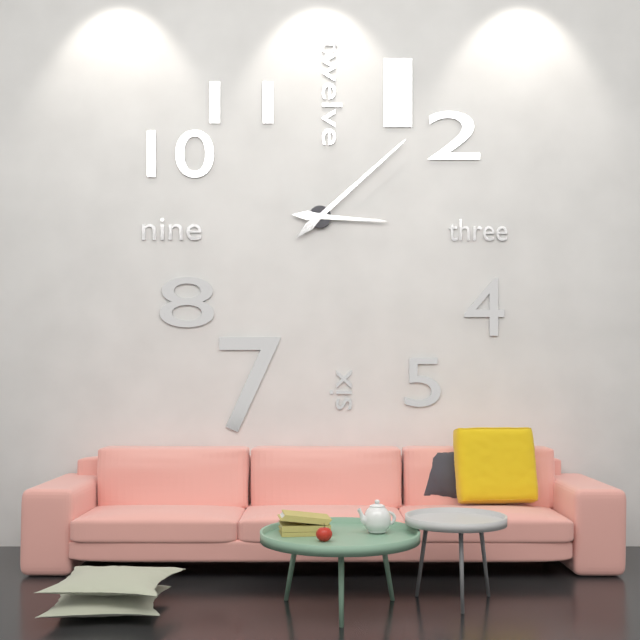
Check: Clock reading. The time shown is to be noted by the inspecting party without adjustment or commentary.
3:08
